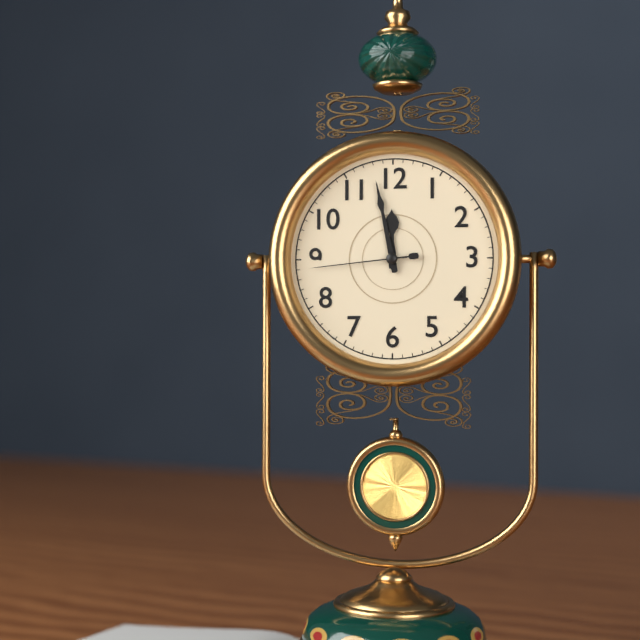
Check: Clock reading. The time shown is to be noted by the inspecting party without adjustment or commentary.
11:58:44
